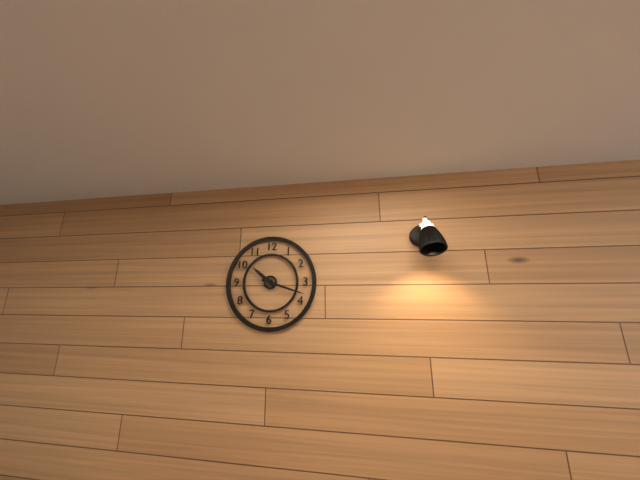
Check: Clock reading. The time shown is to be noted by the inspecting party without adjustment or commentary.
10:18
